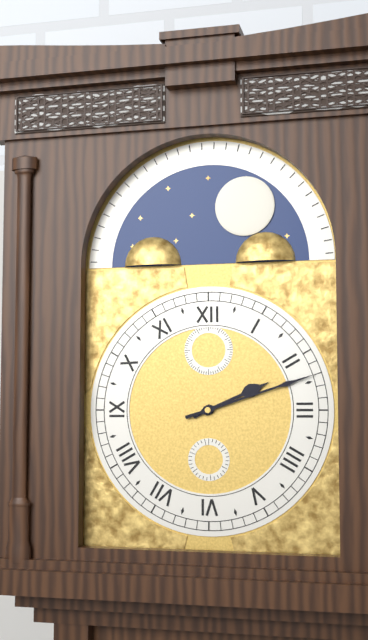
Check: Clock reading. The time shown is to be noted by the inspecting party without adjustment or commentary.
2:12
